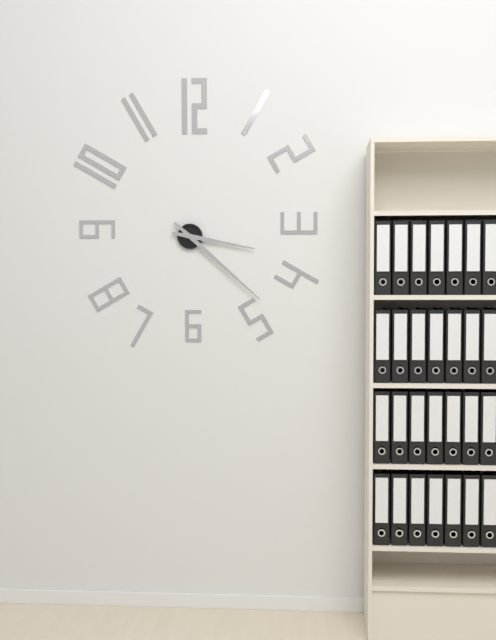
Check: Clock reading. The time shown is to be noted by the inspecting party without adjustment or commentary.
3:22
